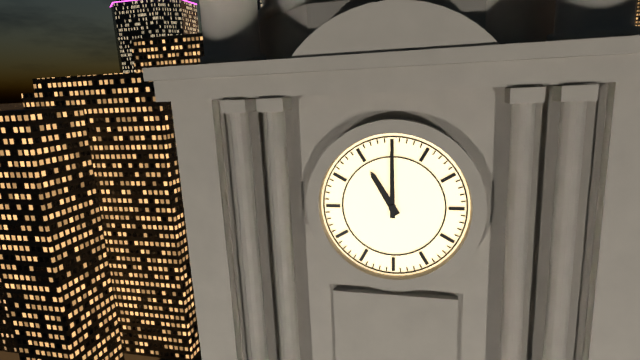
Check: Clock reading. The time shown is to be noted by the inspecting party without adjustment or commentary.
11:00
